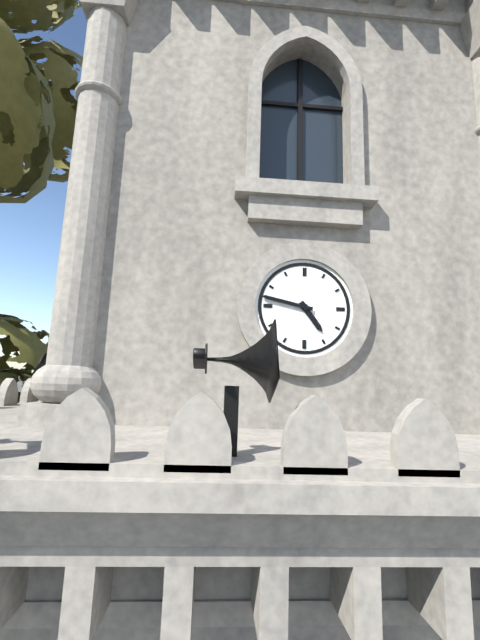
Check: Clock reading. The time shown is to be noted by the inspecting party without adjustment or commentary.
4:47
